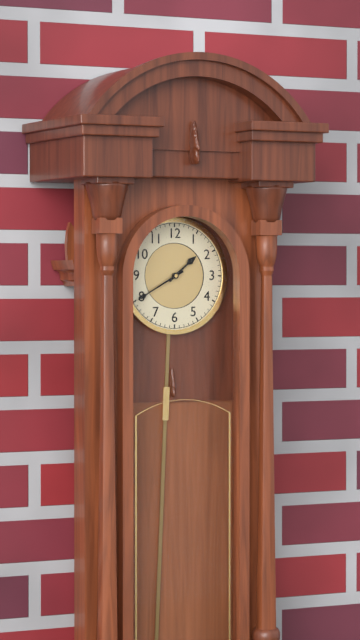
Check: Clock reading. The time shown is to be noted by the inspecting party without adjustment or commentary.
1:40
